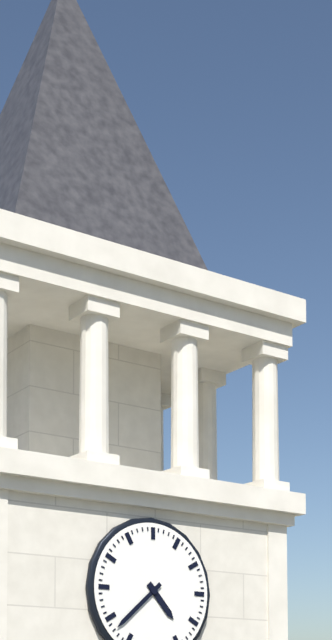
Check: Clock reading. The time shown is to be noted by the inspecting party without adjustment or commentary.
4:38
